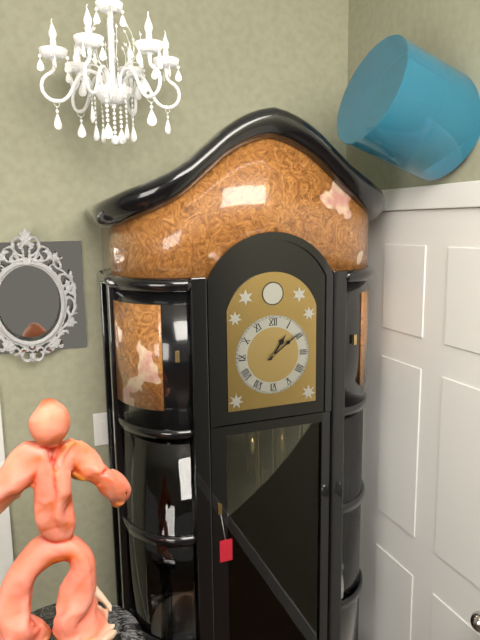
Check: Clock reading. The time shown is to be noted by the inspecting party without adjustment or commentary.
1:09
